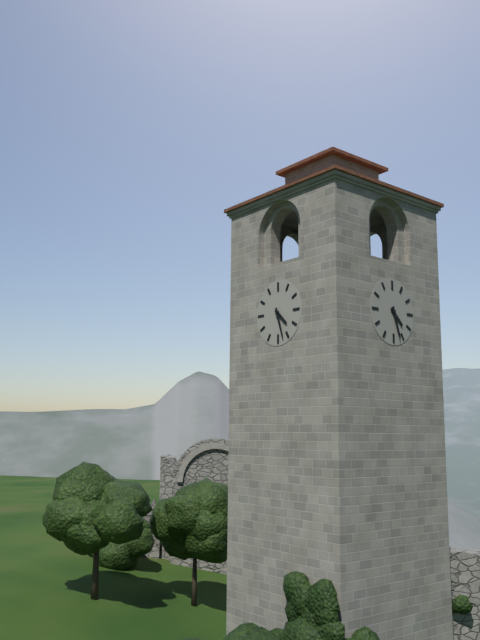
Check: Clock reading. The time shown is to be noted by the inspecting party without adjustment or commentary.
4:27
